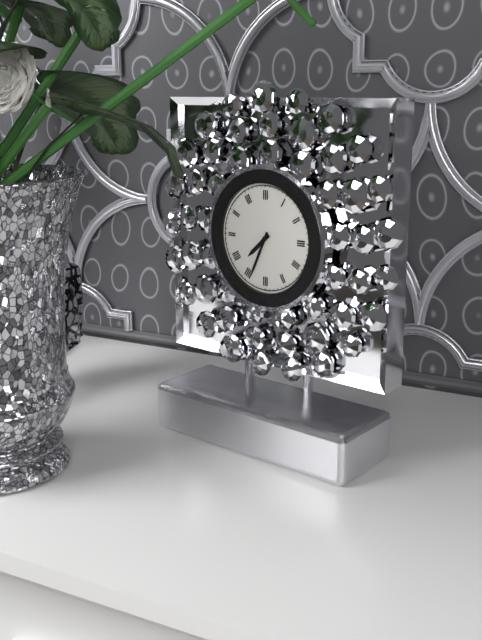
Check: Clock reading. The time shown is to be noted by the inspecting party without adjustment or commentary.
7:34
